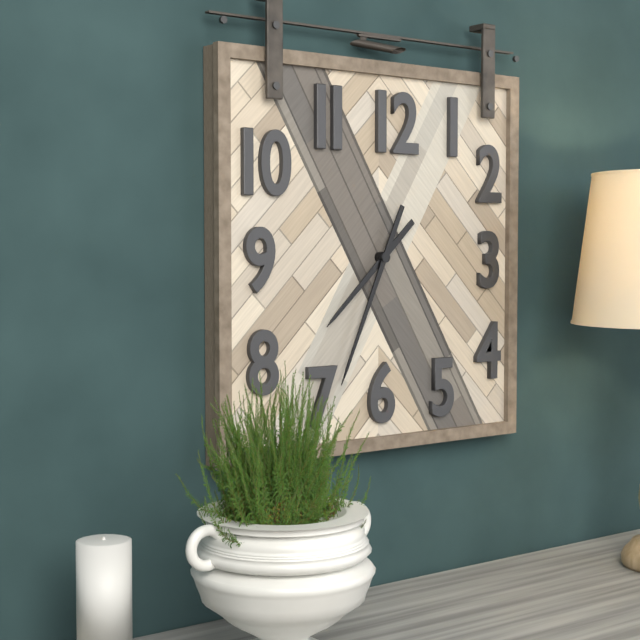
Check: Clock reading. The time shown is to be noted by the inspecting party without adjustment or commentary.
7:34
